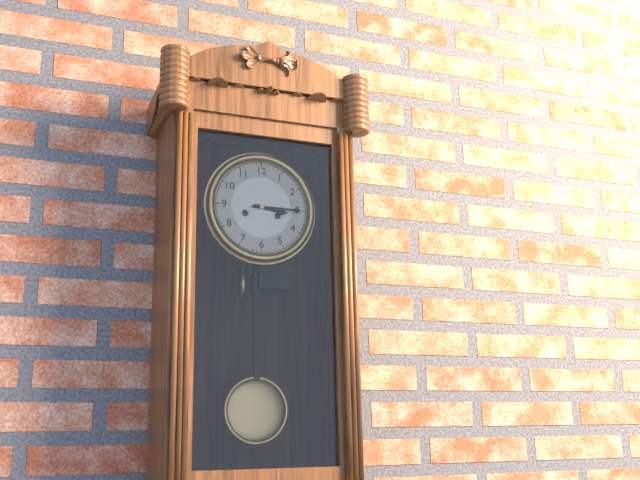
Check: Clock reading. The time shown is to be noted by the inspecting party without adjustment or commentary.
3:15
